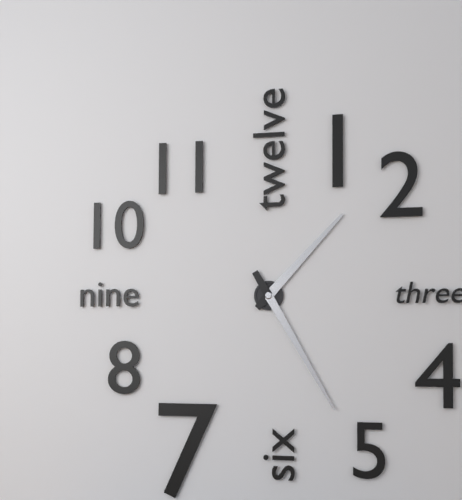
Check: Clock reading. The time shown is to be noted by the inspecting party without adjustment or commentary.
1:25
